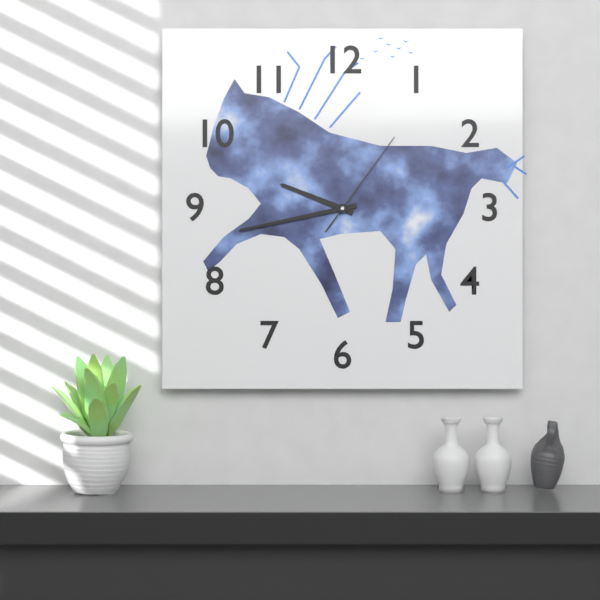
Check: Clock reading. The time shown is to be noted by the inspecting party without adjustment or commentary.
9:43:06
